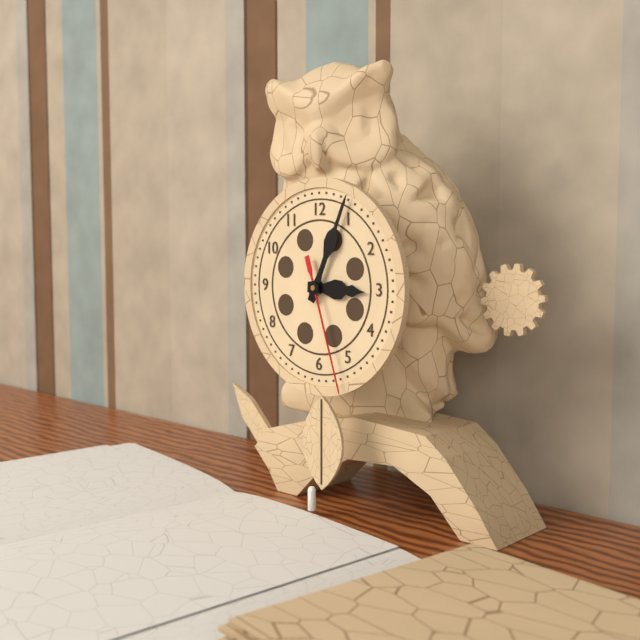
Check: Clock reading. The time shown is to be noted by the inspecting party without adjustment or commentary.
3:04:27
